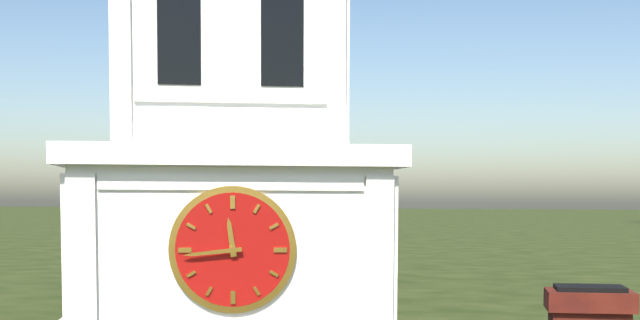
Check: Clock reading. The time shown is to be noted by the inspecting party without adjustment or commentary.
11:44
